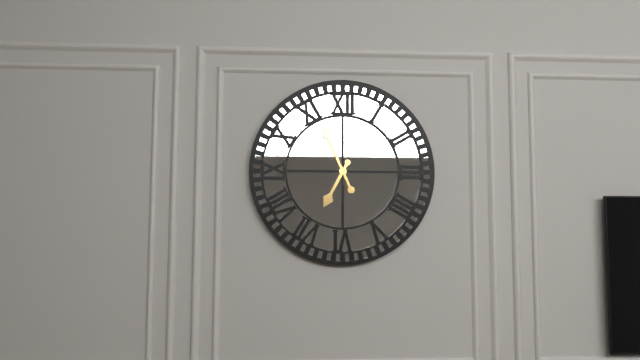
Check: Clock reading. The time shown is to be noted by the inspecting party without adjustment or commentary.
6:56
